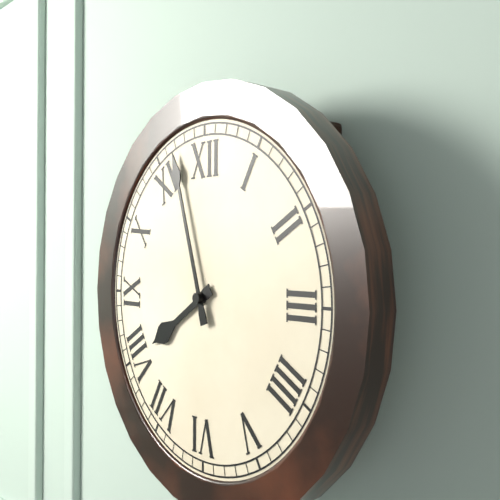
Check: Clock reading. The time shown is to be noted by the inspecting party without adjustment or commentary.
7:57
